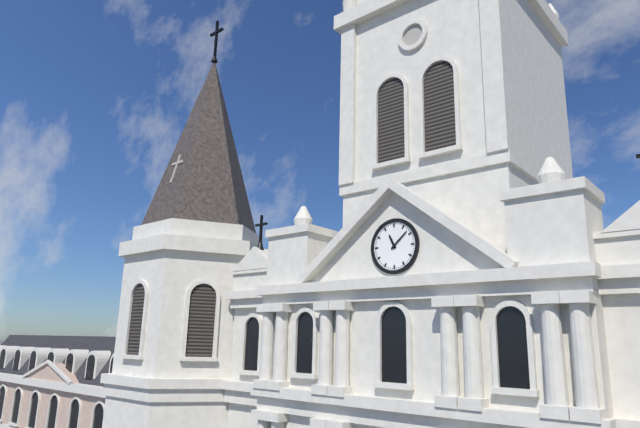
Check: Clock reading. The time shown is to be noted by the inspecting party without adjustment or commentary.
11:08
